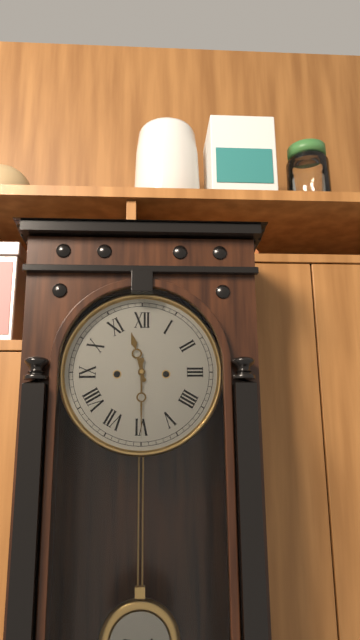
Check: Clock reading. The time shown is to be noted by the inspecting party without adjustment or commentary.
11:30
